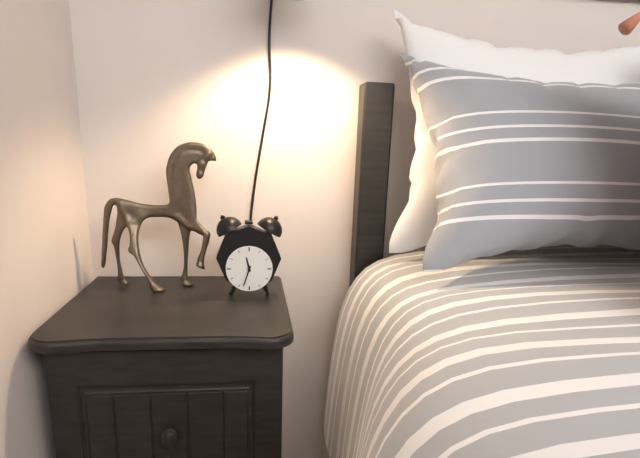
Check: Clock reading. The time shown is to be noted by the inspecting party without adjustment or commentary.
11:33
